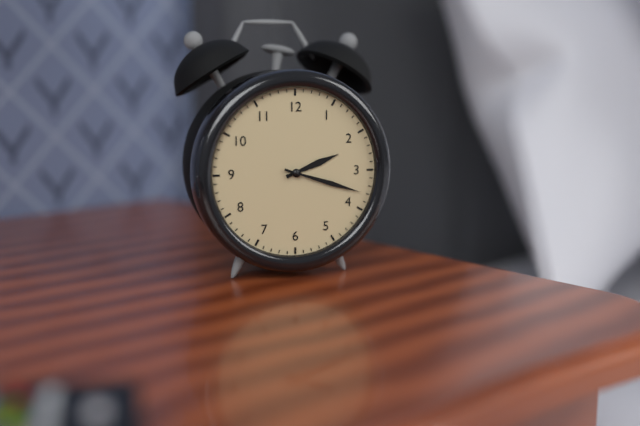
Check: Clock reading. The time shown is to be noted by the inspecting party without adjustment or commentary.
2:18
